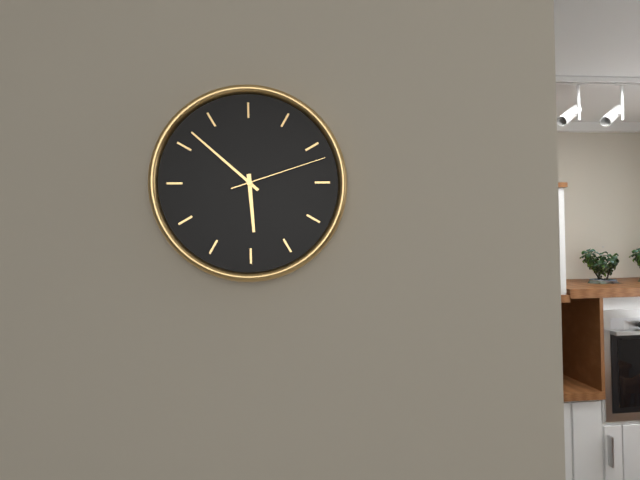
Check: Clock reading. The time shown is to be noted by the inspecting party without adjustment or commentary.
5:52:12
